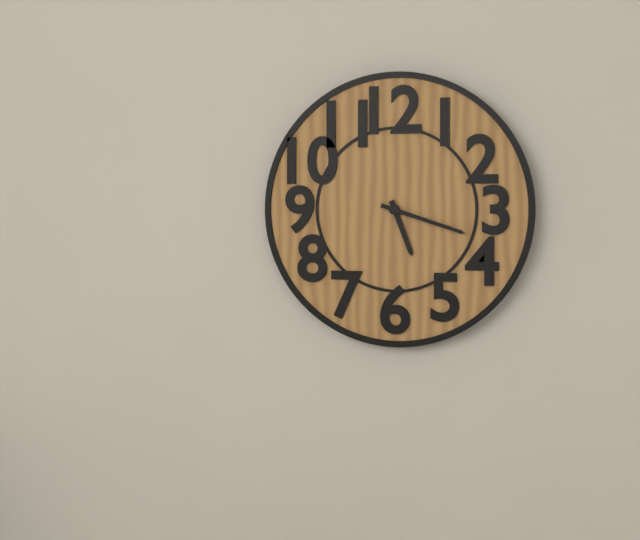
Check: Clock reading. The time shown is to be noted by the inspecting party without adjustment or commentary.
5:18
